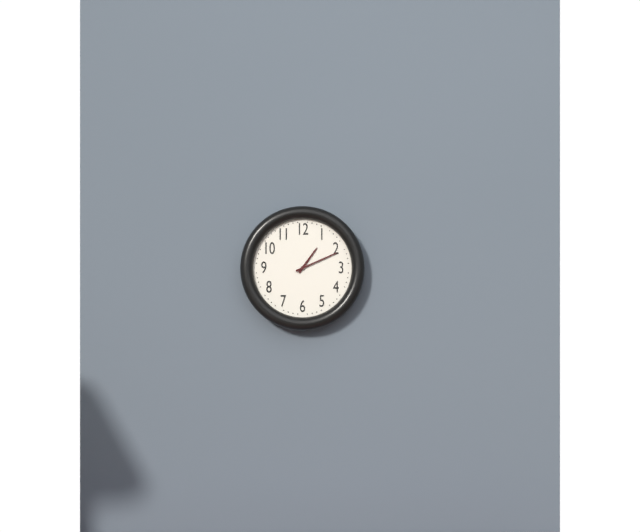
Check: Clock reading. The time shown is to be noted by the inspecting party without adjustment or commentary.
1:11
